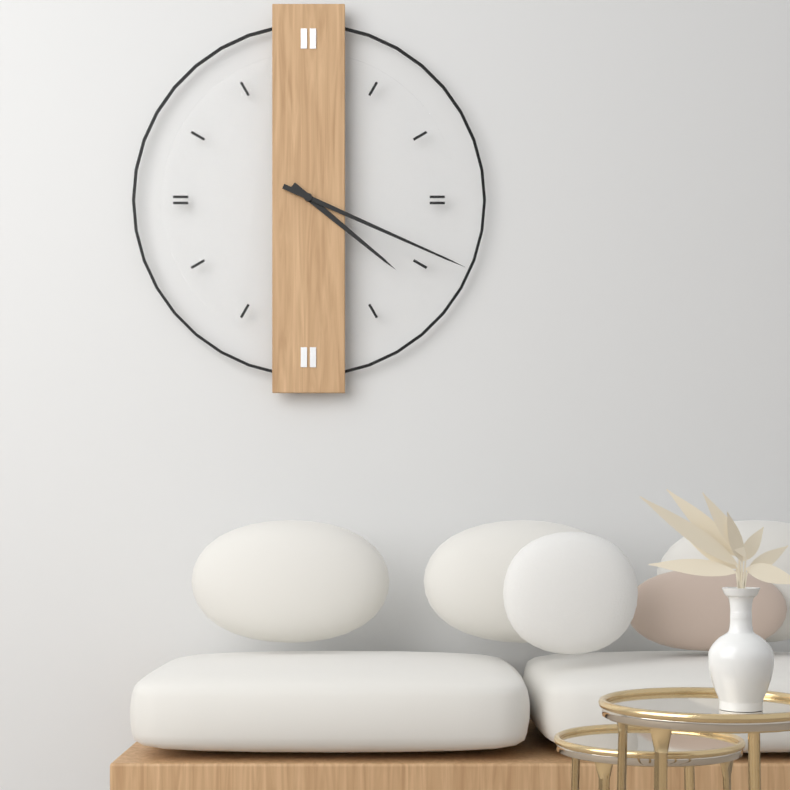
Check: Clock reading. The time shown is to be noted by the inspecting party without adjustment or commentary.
4:19
